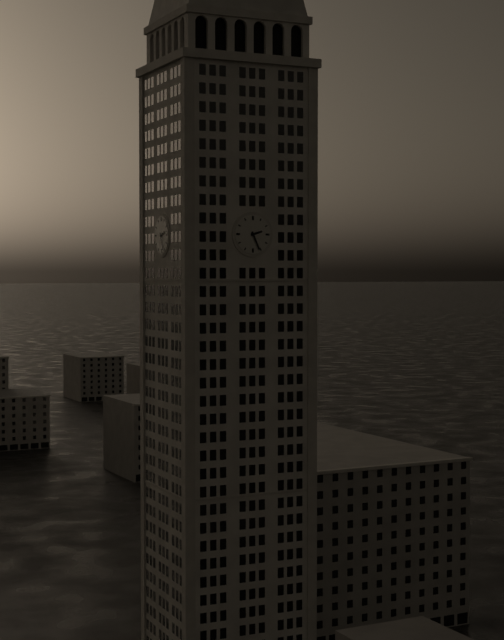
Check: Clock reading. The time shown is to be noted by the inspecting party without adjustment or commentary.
2:26
